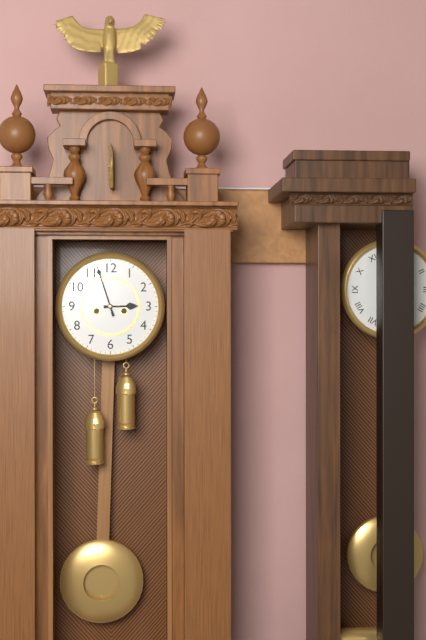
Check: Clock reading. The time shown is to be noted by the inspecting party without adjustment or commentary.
2:57
